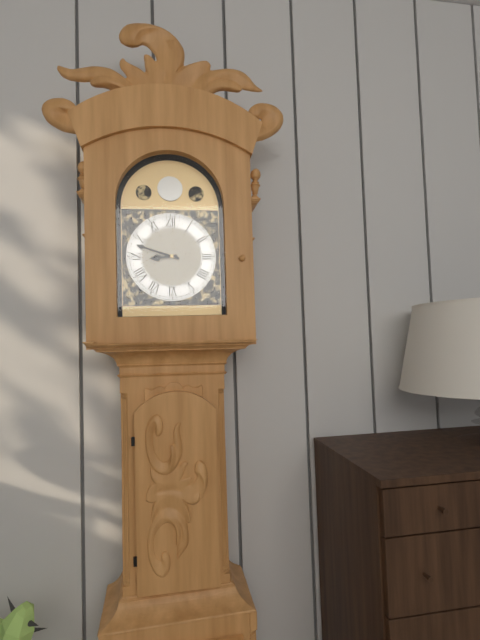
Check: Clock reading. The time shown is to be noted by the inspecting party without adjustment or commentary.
8:48
